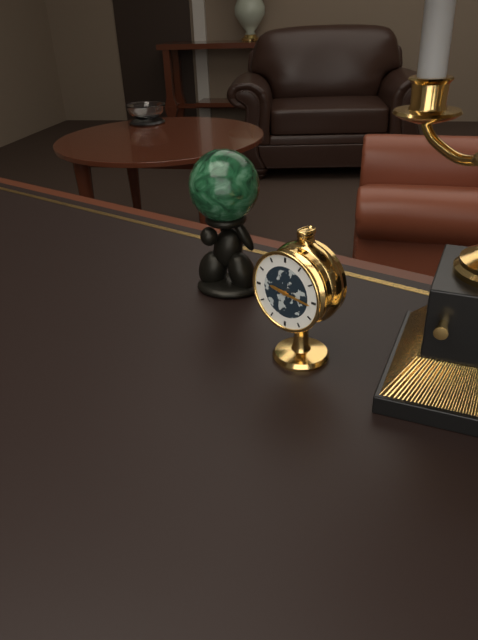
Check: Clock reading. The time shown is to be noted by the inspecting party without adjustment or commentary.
9:16
